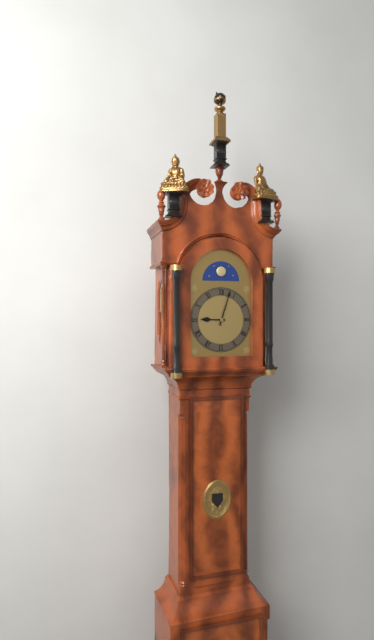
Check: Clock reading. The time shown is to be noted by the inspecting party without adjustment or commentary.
9:03
